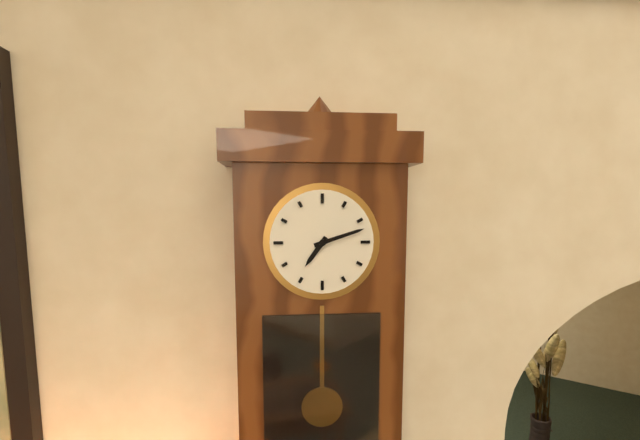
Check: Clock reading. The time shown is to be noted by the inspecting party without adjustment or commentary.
7:12
